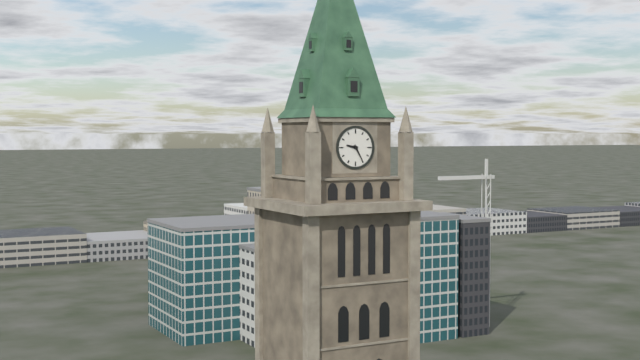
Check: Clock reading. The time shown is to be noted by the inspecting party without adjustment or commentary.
9:25
